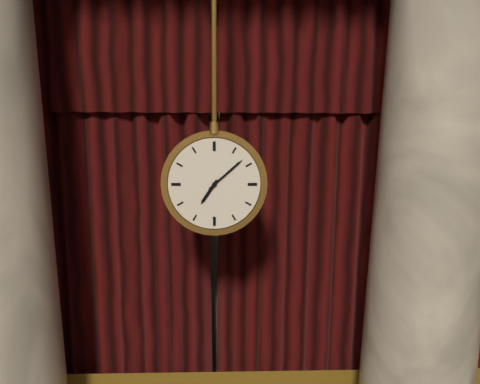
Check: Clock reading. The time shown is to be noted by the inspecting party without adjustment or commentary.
7:08
